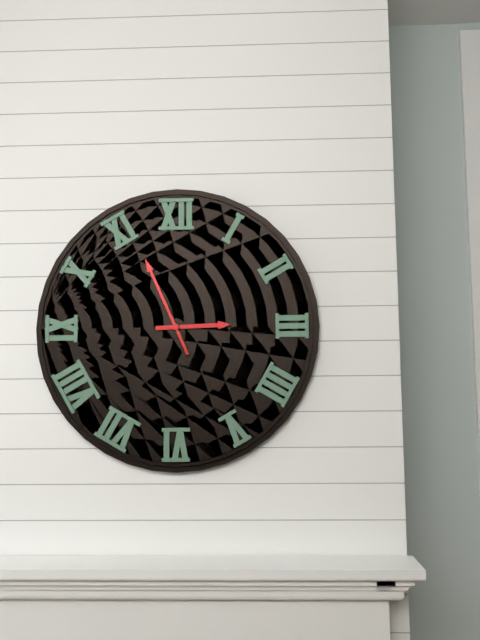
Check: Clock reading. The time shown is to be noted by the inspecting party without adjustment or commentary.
2:56
